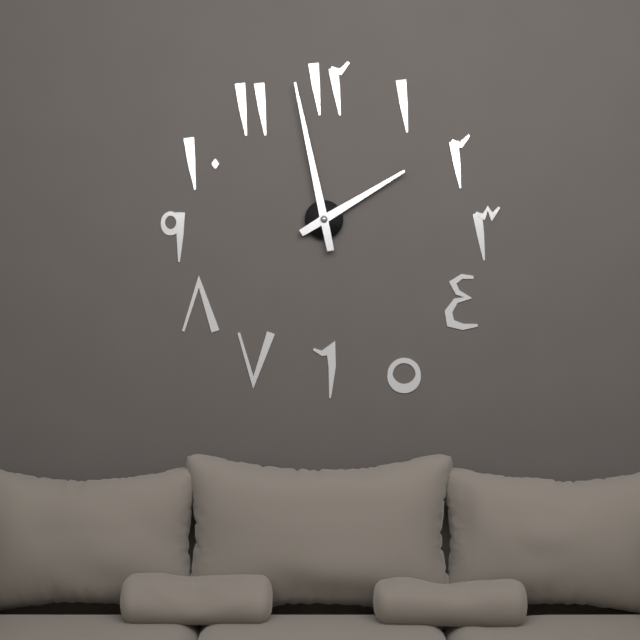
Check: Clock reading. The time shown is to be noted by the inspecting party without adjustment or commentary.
1:58
